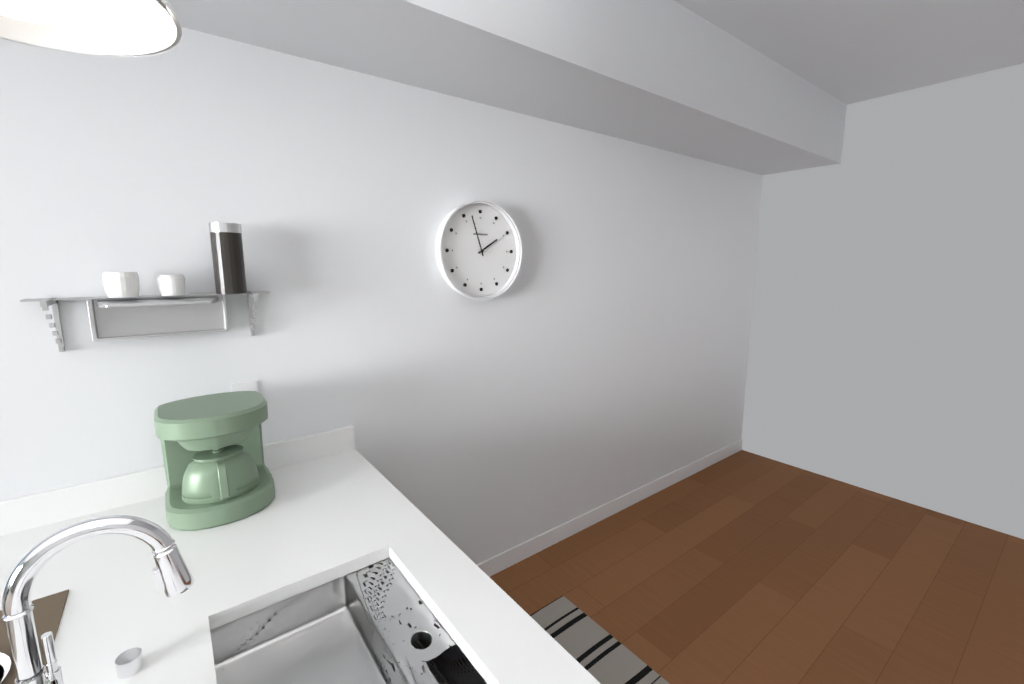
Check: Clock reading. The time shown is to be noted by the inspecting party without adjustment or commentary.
1:57
